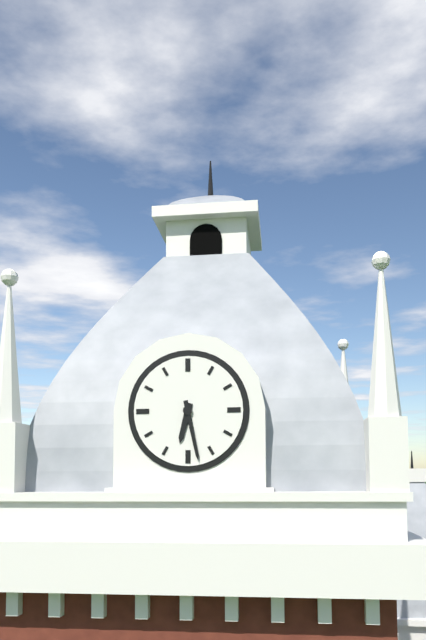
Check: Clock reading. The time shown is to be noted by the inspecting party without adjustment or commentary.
6:28
